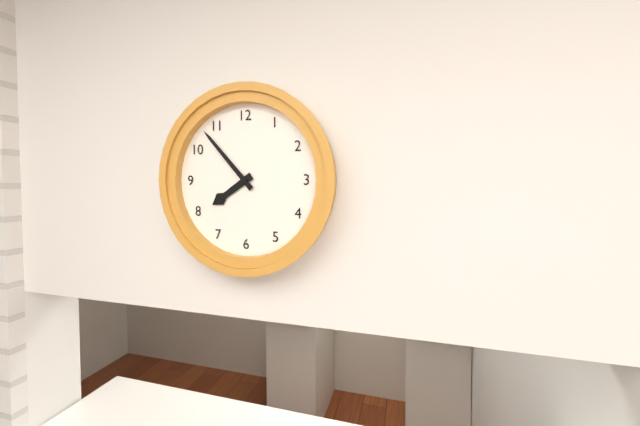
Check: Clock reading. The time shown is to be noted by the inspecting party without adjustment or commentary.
7:53
